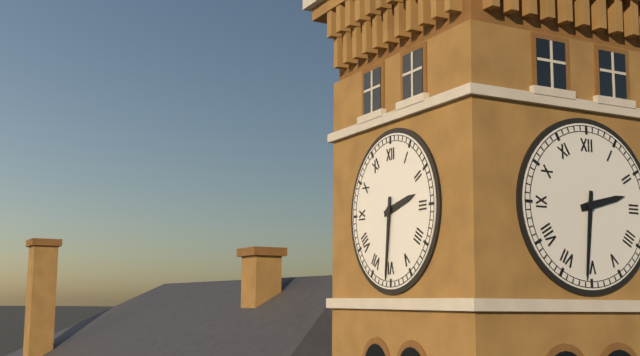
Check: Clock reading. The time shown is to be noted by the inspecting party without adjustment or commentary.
2:31
